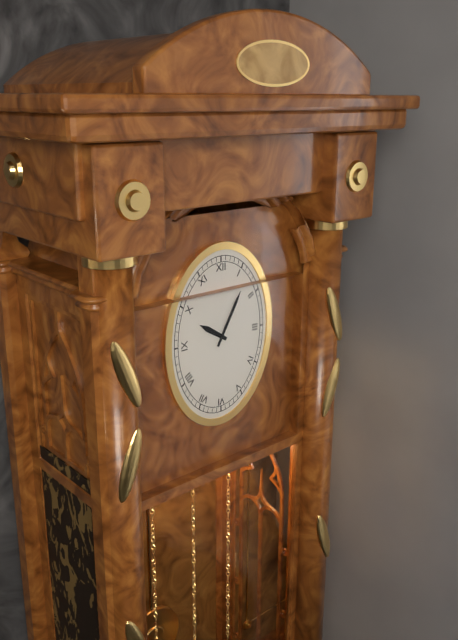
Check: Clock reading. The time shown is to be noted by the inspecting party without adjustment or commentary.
10:05
